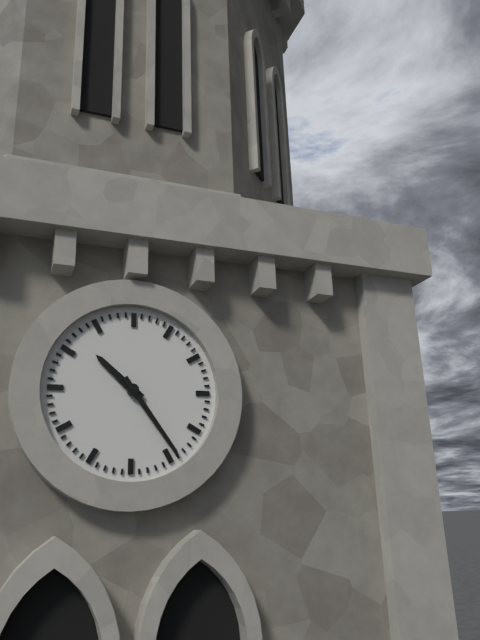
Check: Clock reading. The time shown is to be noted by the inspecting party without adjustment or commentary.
10:24
